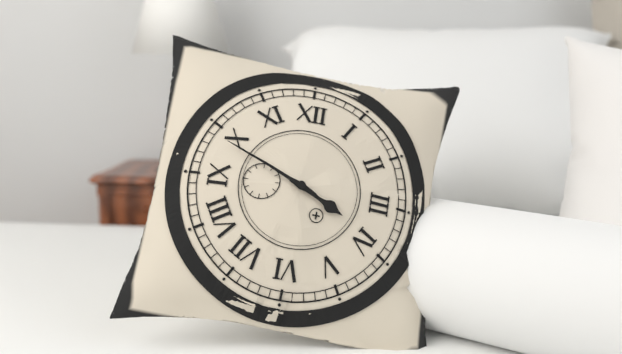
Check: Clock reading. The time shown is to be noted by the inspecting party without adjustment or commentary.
3:49
